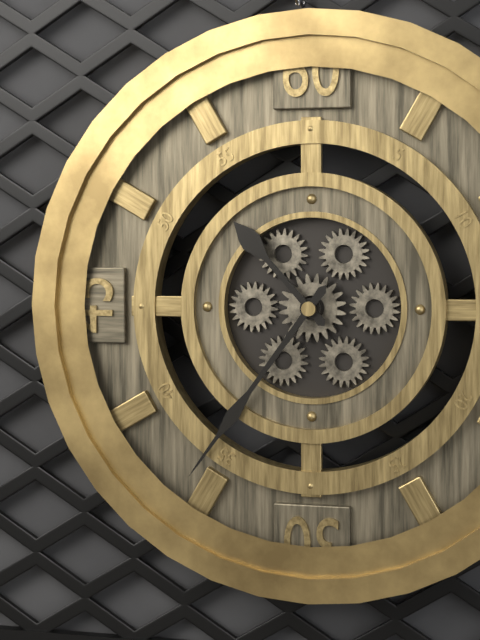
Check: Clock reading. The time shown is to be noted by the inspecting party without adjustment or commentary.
10:36
